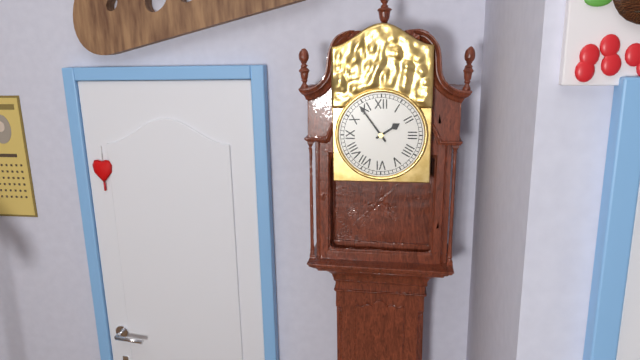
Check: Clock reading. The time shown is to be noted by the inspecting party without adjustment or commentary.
1:54
